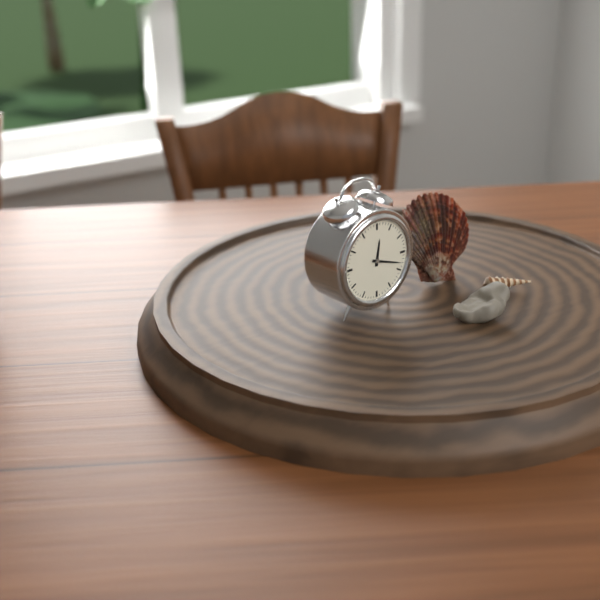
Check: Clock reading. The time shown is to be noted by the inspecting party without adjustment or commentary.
12:18
